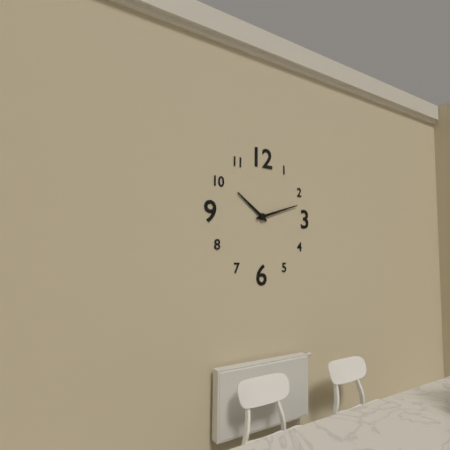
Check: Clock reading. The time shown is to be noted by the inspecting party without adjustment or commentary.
10:12
